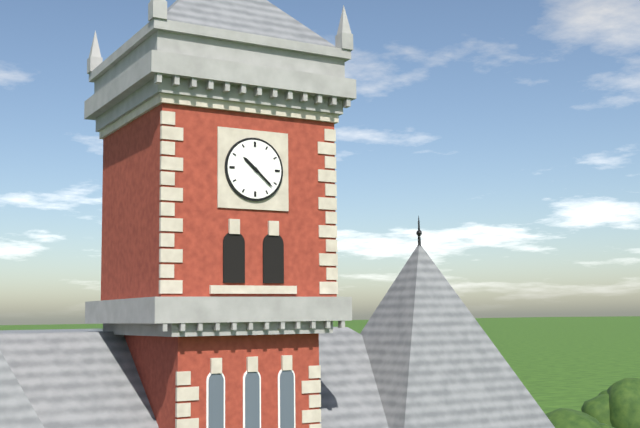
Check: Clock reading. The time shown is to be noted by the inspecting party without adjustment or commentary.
10:22
